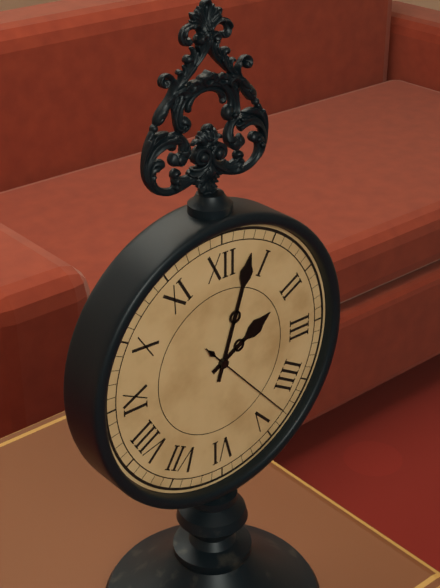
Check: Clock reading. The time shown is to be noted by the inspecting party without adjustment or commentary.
2:03:23
